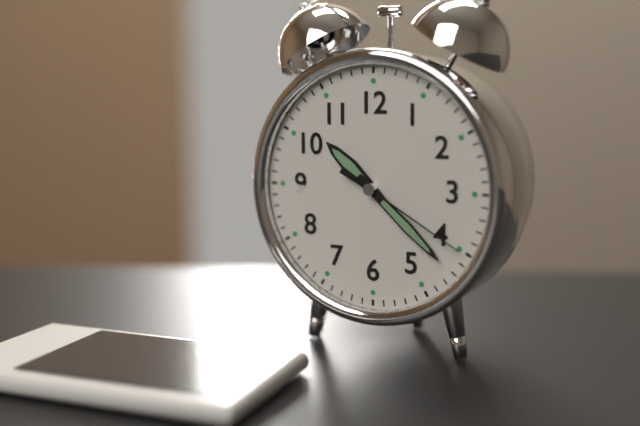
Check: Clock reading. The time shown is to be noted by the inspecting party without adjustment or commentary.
10:22:20
